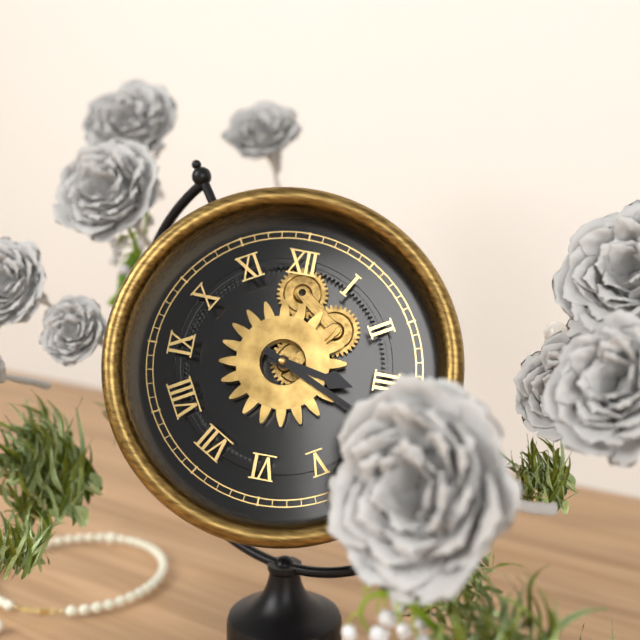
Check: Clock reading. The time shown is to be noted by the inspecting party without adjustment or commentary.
3:19
